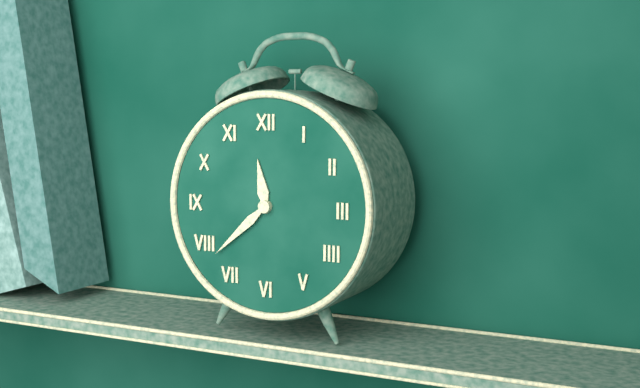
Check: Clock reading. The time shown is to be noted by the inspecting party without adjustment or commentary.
11:38
